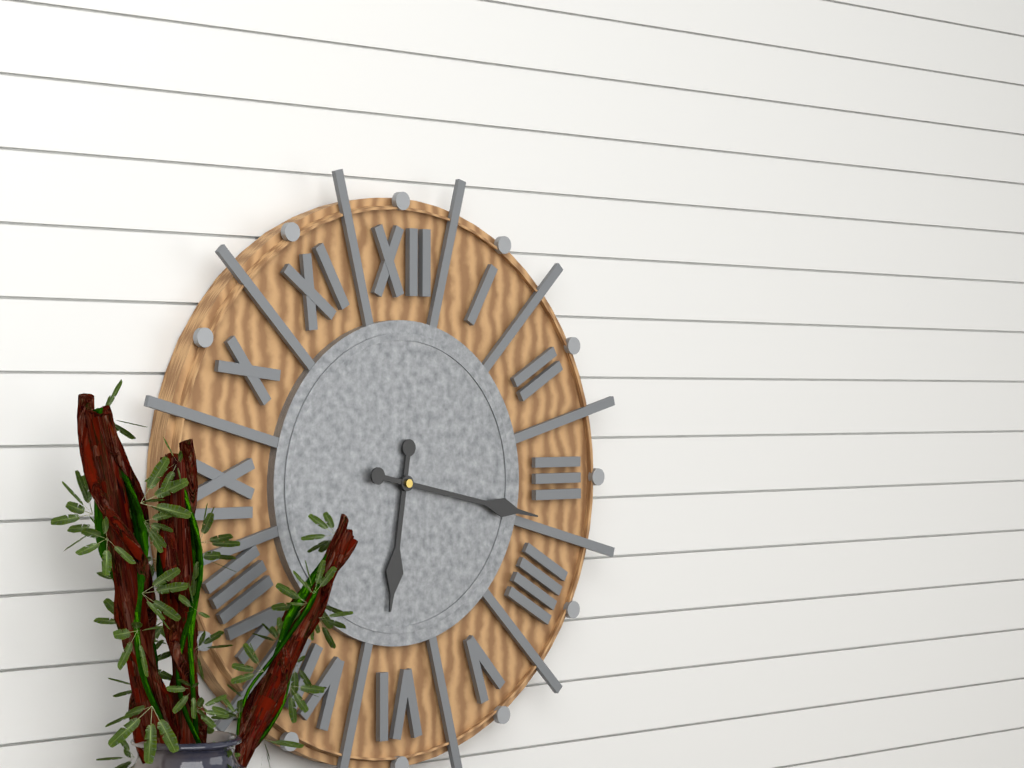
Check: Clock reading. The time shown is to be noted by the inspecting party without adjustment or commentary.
6:17
